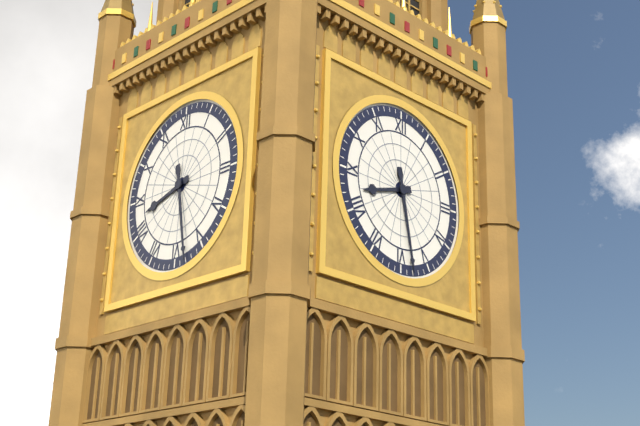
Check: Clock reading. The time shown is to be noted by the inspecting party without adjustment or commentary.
8:28
